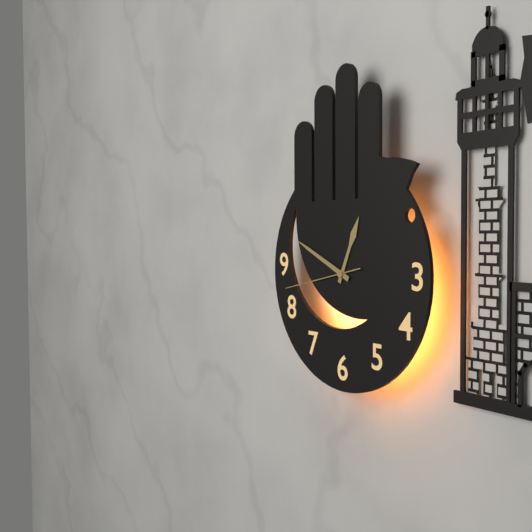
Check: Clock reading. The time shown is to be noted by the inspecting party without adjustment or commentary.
12:49:43
